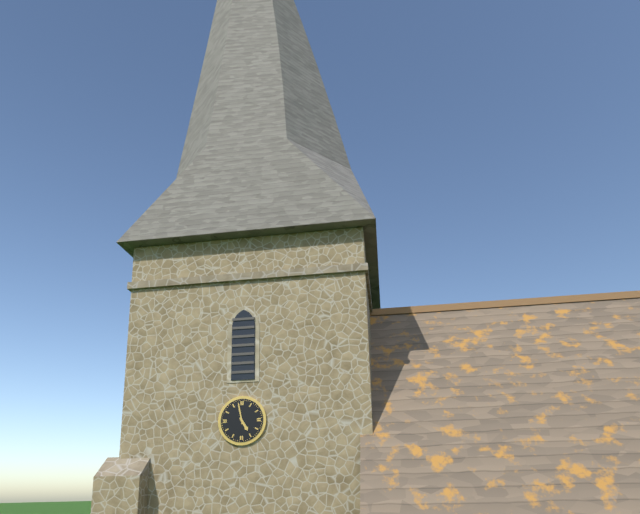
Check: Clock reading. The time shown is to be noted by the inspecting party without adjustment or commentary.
4:58
